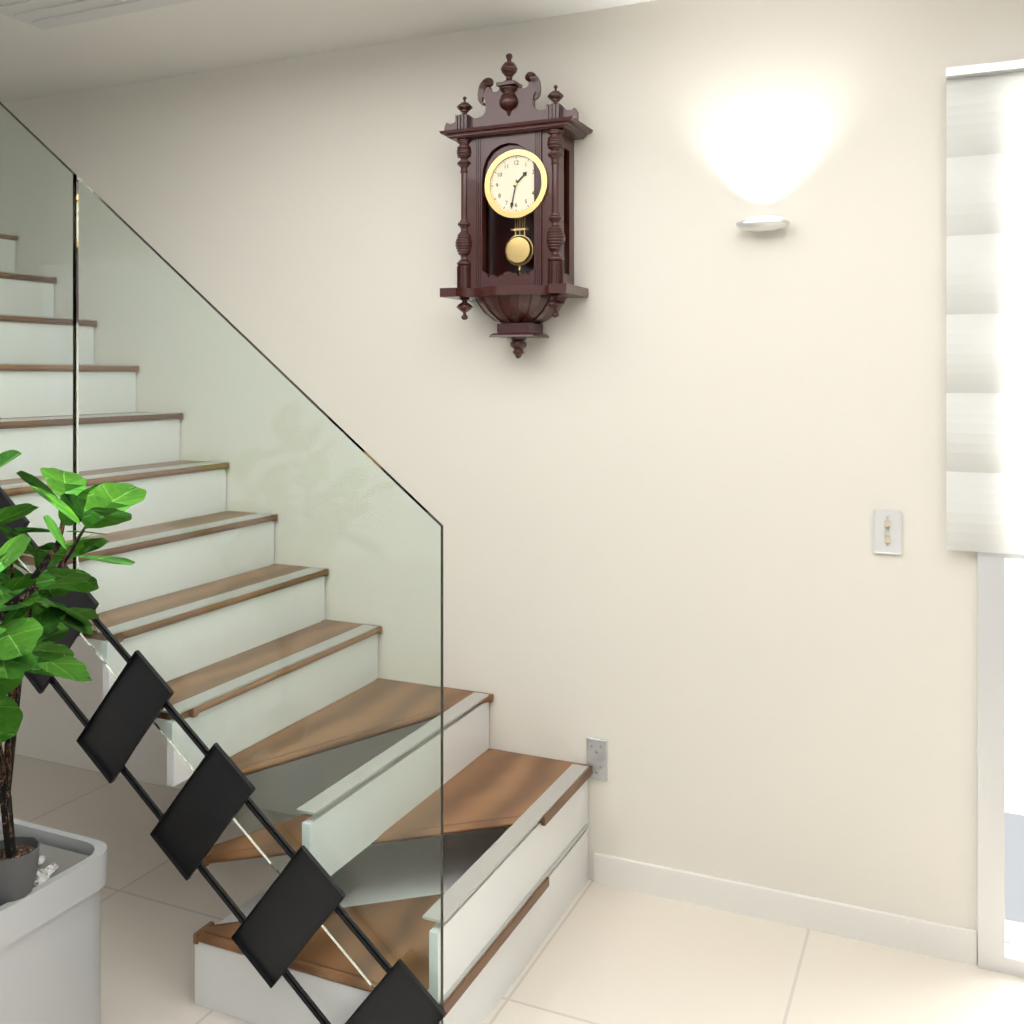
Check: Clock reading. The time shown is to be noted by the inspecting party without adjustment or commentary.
1:32
